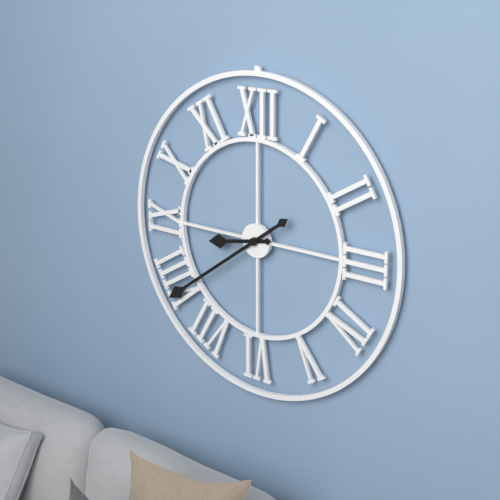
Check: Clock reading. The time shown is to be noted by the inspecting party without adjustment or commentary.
8:39
